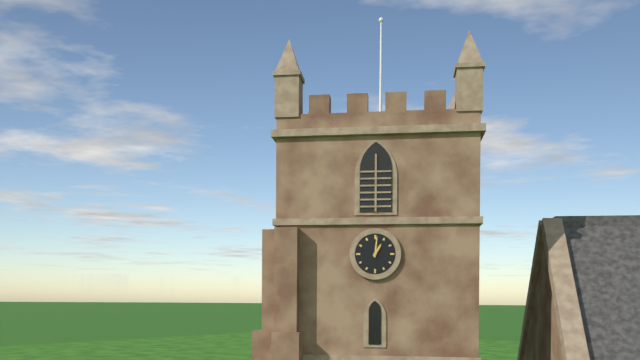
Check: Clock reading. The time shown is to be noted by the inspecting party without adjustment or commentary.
1:01
